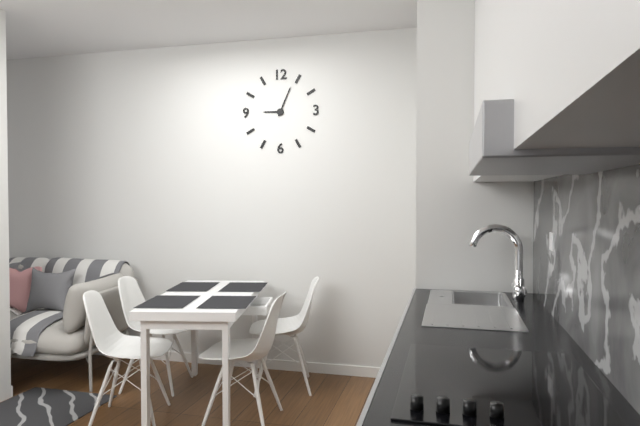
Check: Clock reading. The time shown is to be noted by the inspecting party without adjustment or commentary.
9:04
